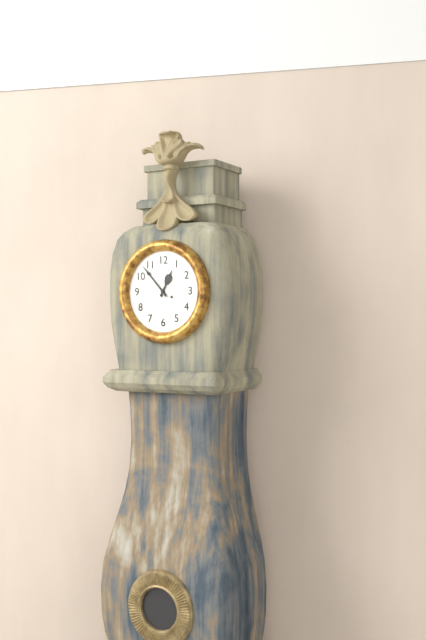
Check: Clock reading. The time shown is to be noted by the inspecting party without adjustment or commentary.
12:53
